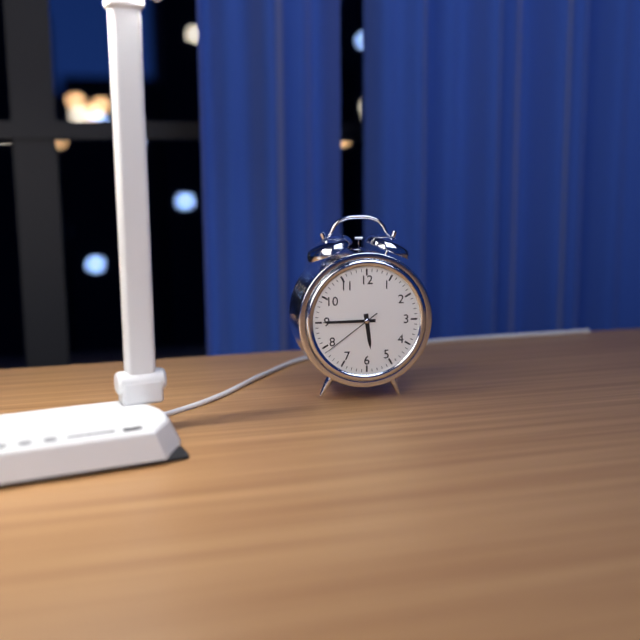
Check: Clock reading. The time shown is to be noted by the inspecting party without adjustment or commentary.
5:45:39
